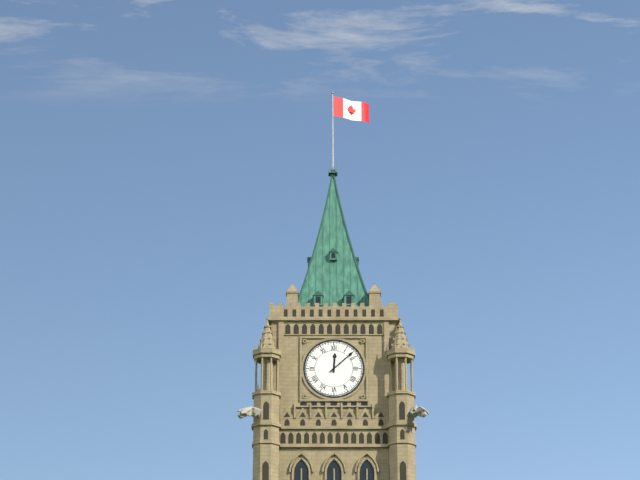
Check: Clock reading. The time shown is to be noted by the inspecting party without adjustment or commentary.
12:08
